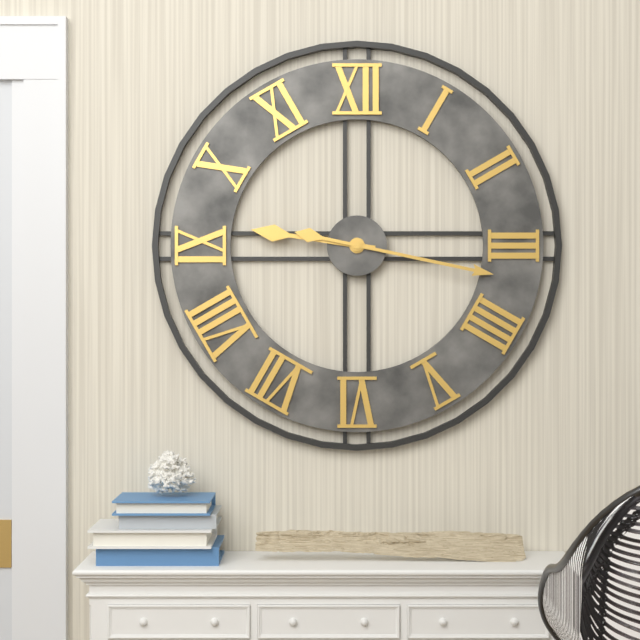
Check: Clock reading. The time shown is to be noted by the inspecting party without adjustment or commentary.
9:17
